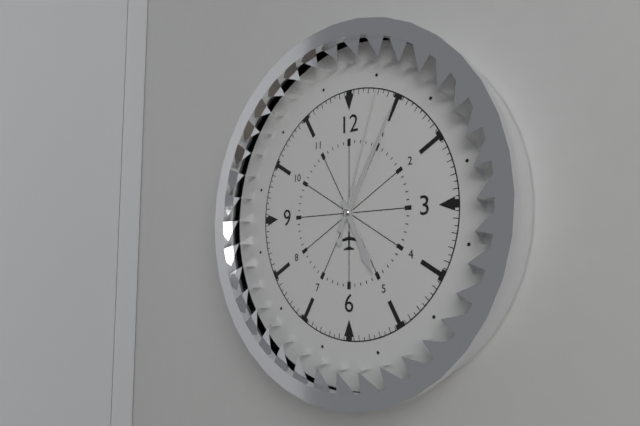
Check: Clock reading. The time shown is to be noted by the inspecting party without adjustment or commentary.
5:05:03
